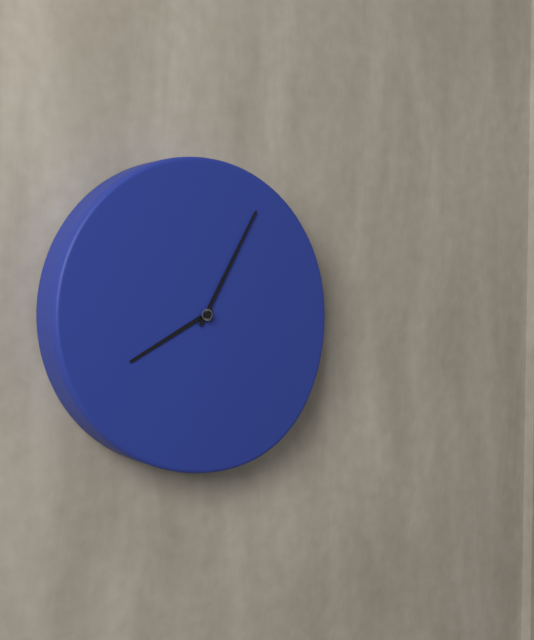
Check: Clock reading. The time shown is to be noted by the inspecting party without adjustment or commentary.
8:05
